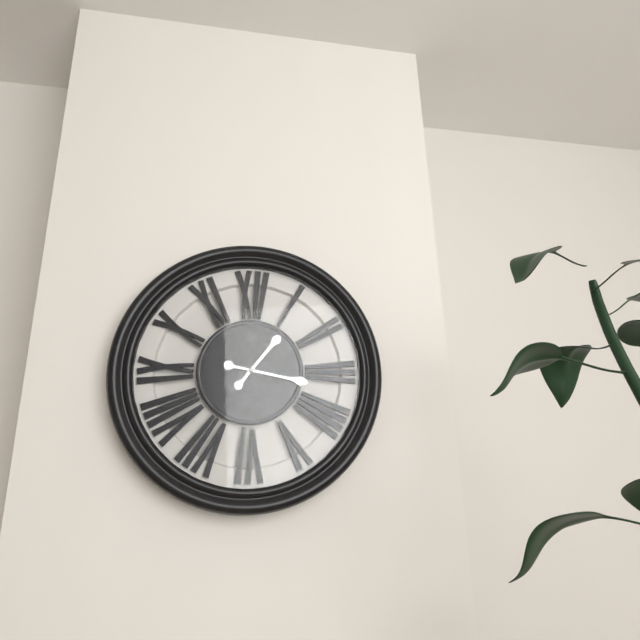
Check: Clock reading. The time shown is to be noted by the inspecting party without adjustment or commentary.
1:17
